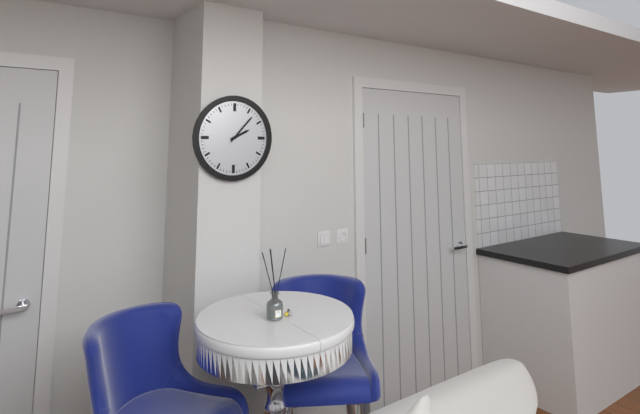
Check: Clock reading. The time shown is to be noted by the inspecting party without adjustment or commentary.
2:07
